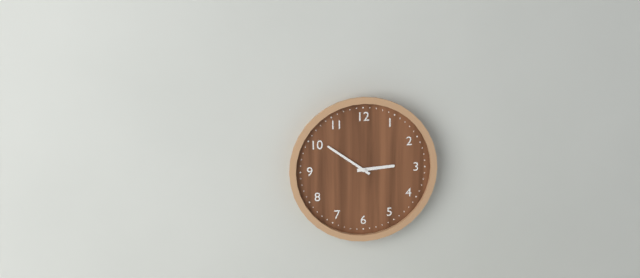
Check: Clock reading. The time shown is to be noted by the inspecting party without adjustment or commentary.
2:51
